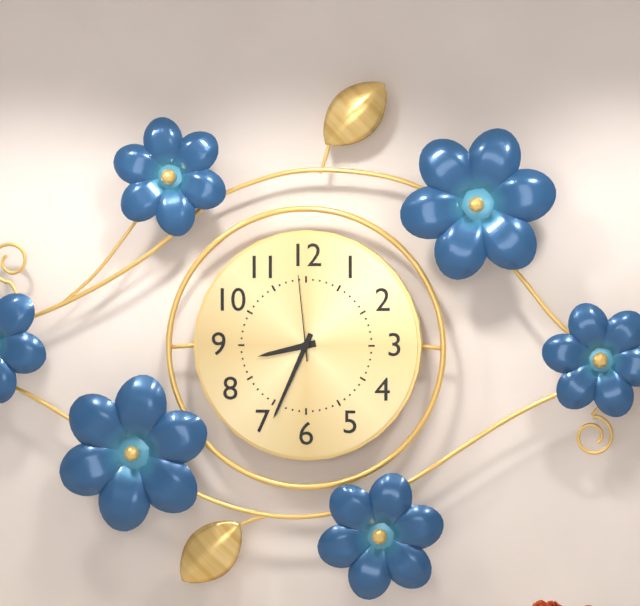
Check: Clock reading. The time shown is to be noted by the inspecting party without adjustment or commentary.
8:34:59
